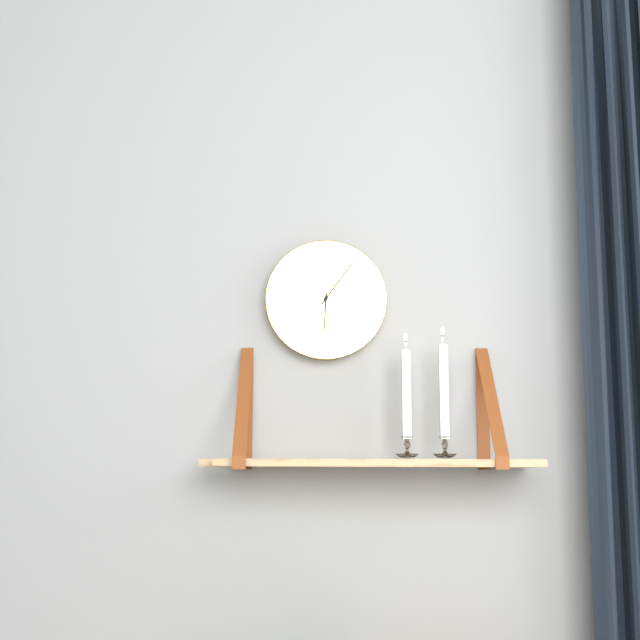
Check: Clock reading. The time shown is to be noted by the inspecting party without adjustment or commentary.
6:06
